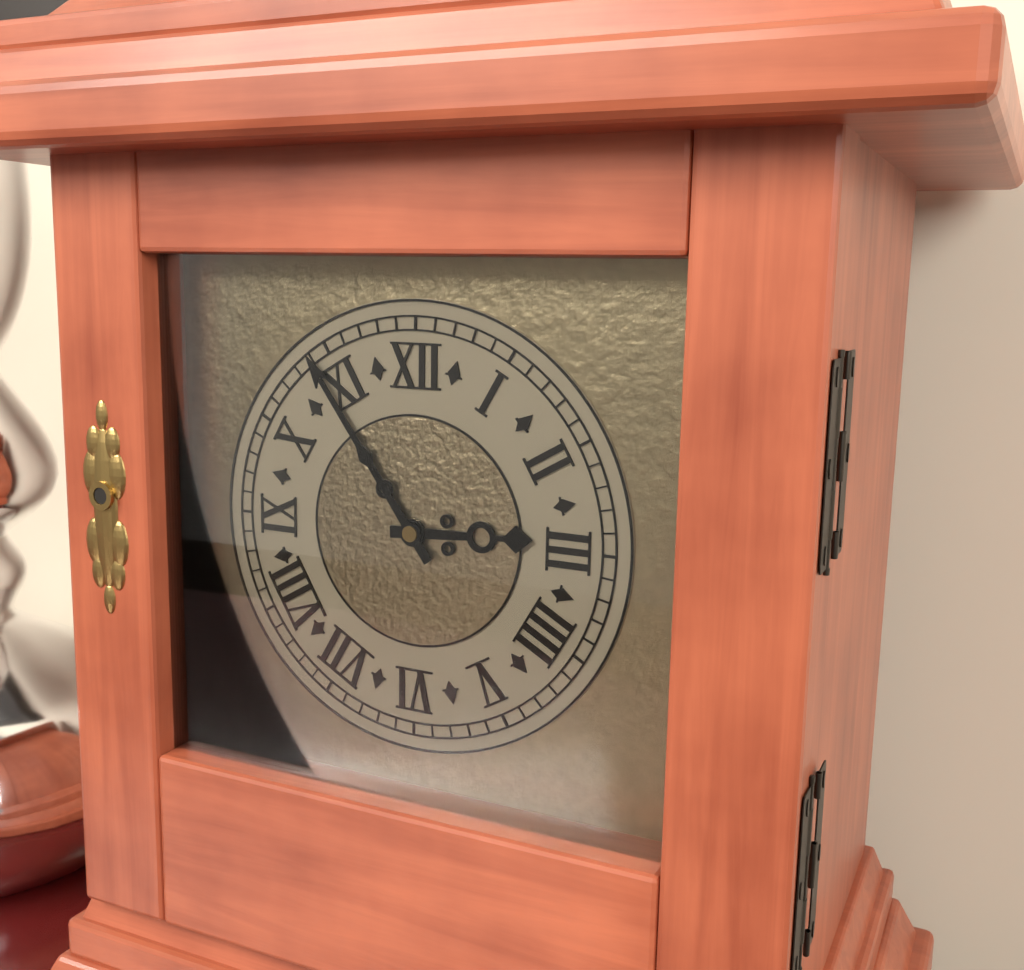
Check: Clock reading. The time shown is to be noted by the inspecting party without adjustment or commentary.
2:54
